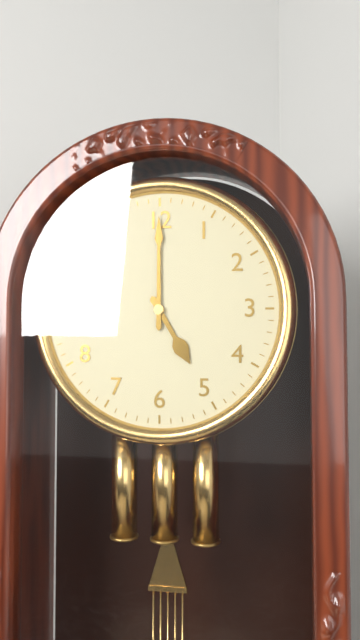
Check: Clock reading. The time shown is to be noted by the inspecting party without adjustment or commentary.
5:00
